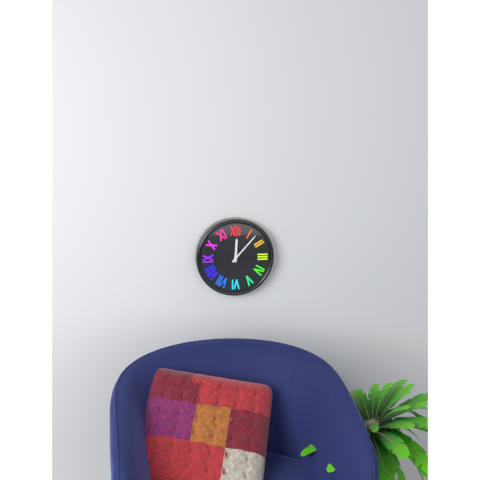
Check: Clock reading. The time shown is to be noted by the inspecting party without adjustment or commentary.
12:07
